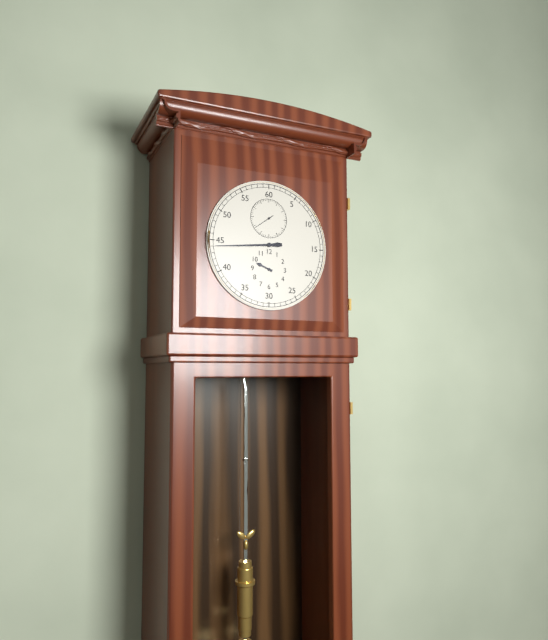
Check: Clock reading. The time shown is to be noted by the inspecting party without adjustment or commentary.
9:44
